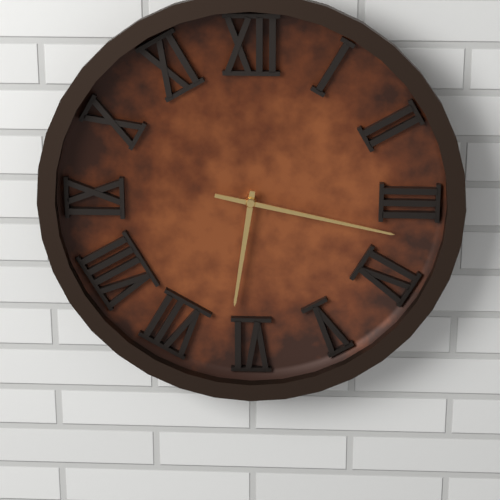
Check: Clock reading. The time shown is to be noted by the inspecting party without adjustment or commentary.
6:17
